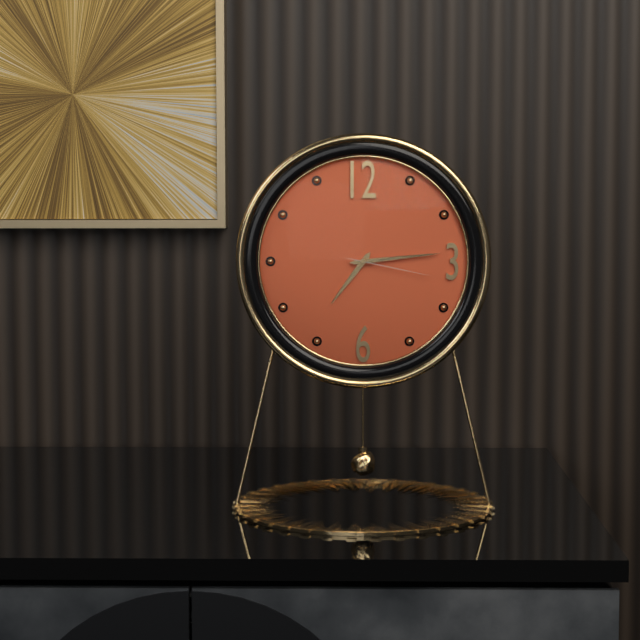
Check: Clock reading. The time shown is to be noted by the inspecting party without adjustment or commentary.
7:14:17
